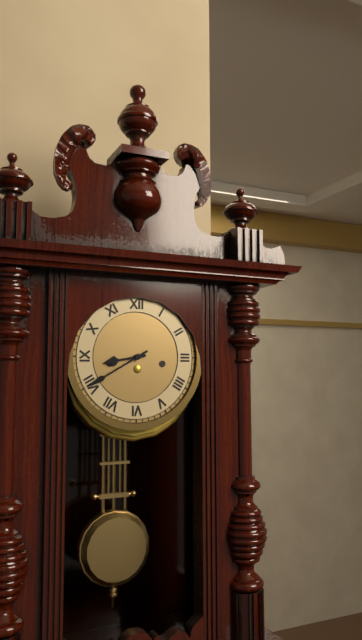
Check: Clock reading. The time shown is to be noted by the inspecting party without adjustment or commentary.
8:40
